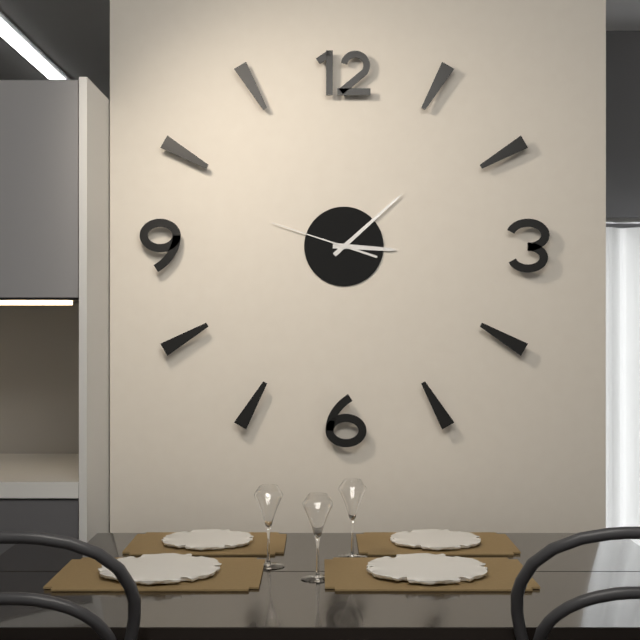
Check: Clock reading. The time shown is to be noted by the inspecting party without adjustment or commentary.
3:08:48
